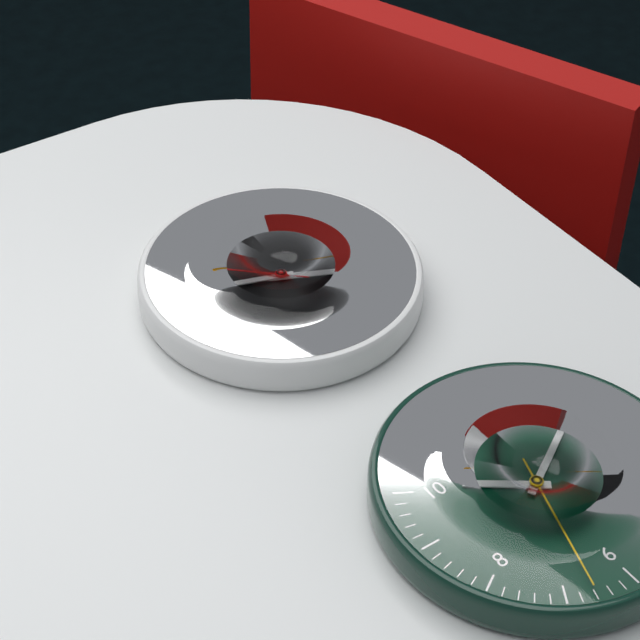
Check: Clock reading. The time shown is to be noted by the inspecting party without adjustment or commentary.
3:48:52
